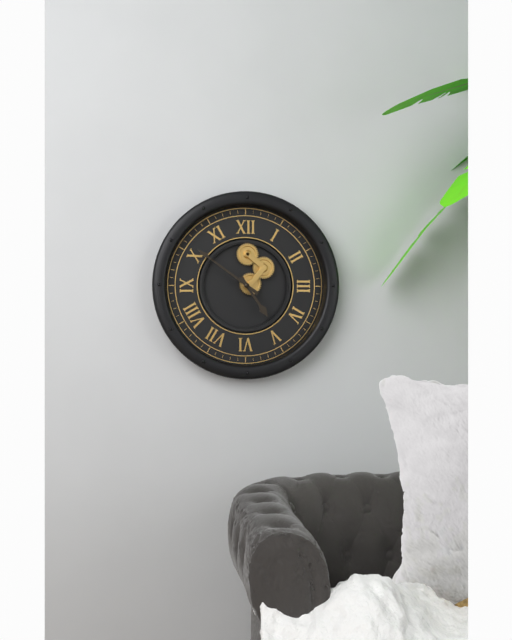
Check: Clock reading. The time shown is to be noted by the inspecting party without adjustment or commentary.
4:51
